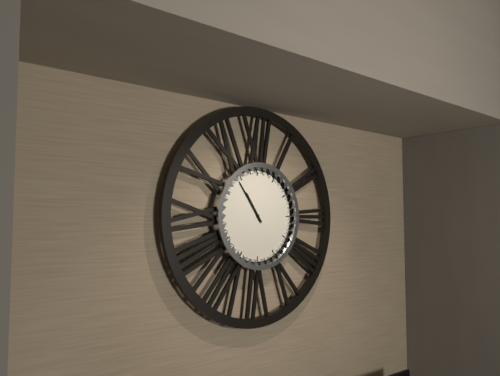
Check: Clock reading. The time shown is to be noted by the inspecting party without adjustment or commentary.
10:54
